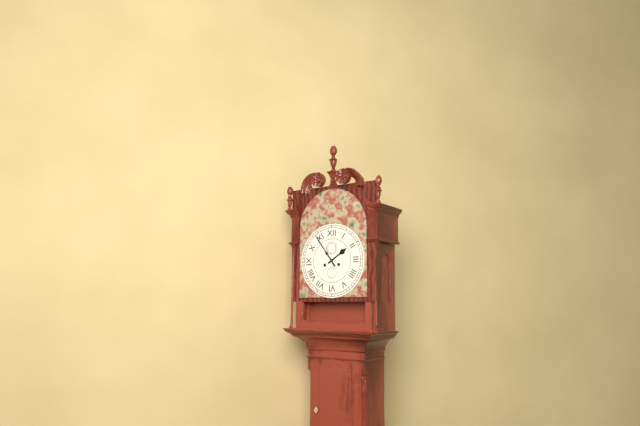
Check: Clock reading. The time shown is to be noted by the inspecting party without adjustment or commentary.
1:54
